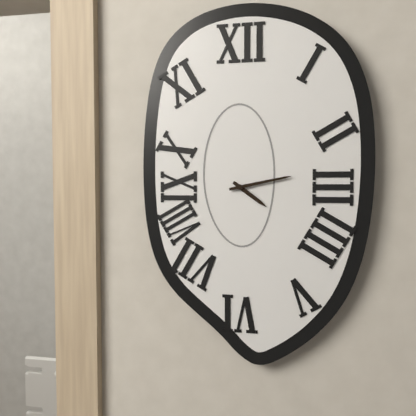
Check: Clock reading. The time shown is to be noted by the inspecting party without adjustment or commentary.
4:13
